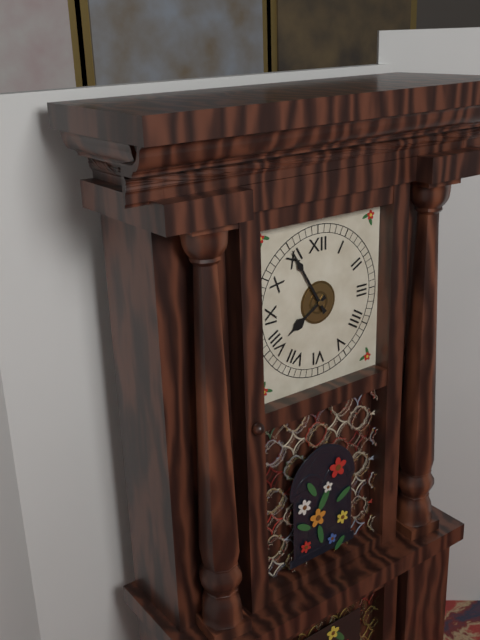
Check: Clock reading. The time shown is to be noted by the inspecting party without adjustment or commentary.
7:55
